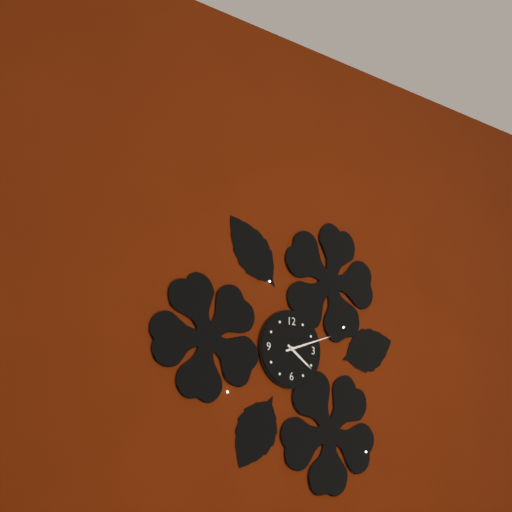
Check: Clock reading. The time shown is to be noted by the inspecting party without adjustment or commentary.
4:12
